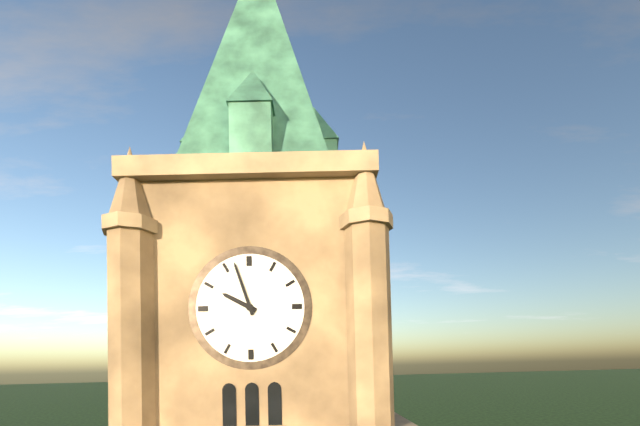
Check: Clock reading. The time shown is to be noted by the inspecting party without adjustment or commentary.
9:57
